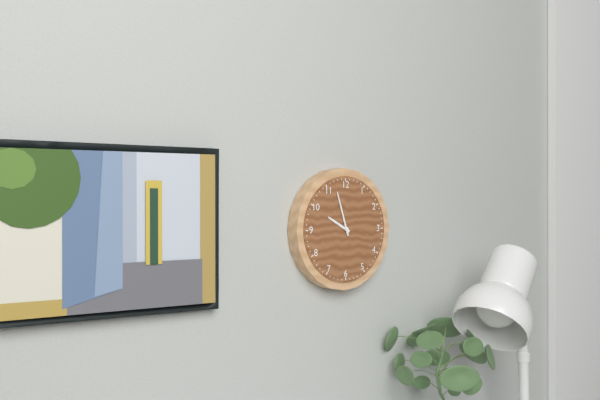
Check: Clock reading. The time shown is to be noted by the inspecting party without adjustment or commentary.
9:57
